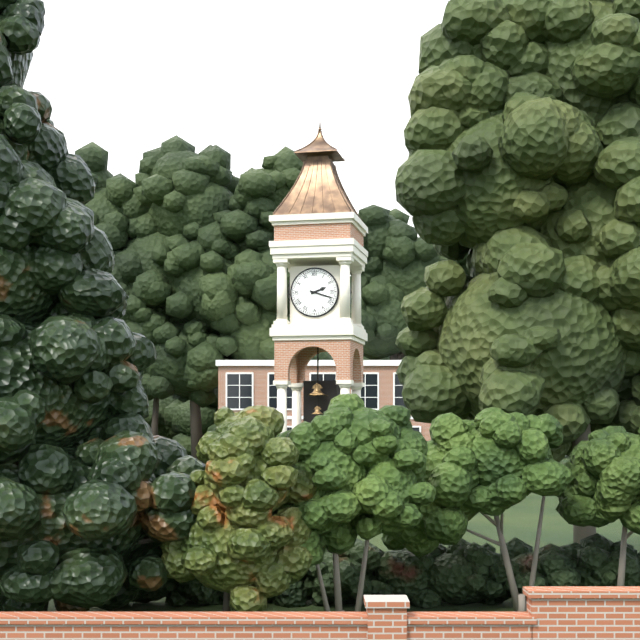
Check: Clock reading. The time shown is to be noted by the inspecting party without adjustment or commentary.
2:18
